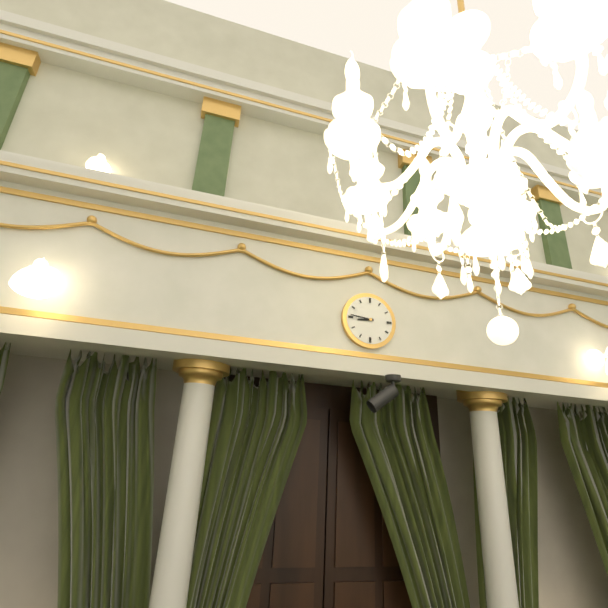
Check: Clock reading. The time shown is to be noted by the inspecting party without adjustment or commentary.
8:46
